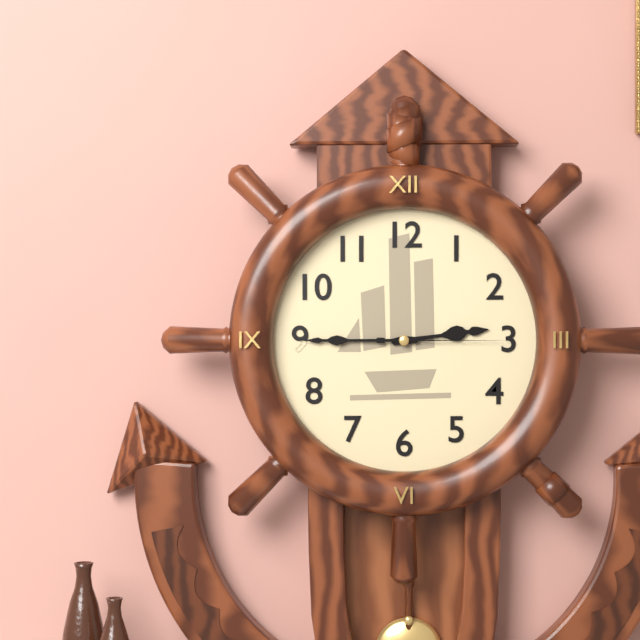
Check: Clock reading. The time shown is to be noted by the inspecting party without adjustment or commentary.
2:45:15
